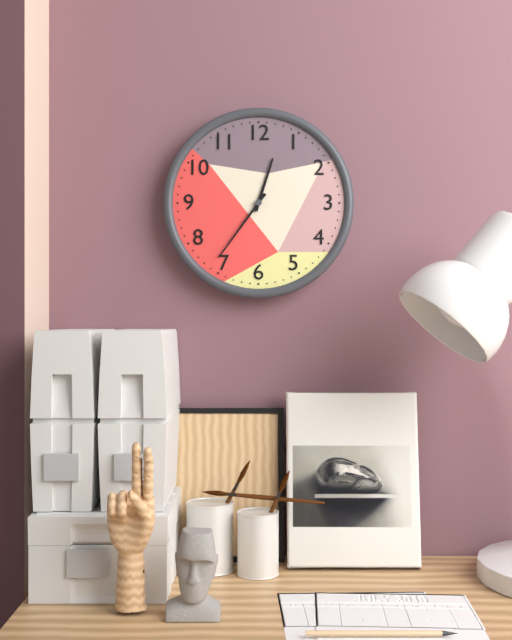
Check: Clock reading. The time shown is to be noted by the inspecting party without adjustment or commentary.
12:36
